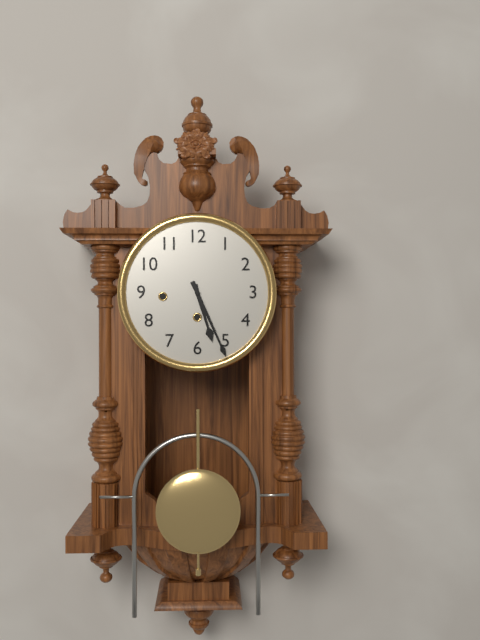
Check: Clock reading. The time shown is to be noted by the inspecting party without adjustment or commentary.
5:26
